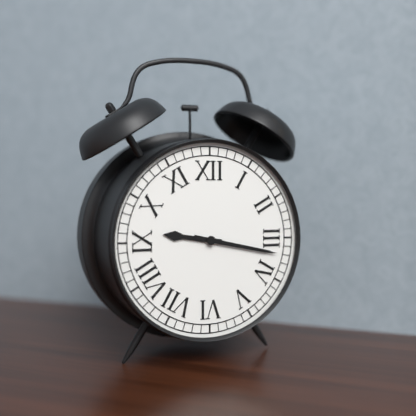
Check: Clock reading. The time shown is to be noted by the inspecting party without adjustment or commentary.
9:17
